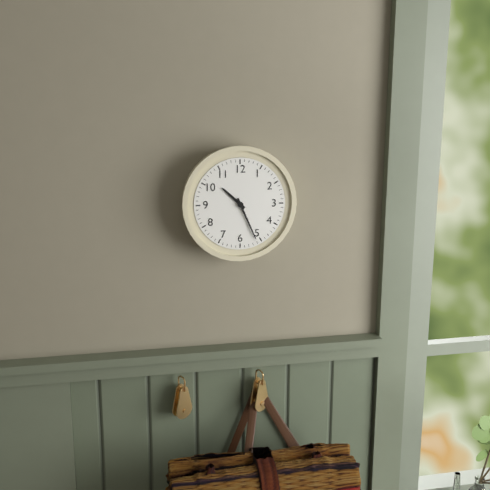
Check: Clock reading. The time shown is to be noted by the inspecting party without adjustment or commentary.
10:26
